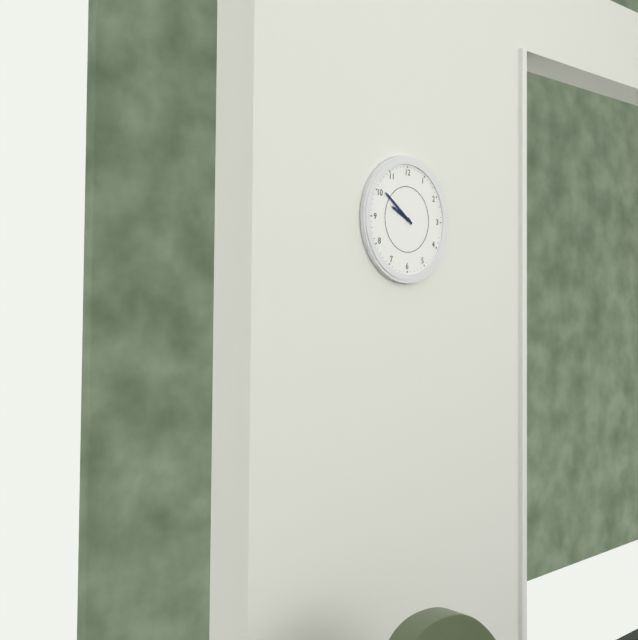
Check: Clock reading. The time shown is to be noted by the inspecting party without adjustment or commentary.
9:51
